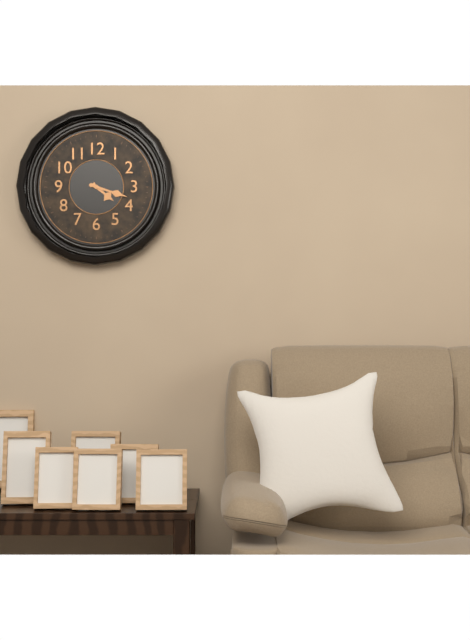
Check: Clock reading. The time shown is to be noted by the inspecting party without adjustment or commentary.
4:18
